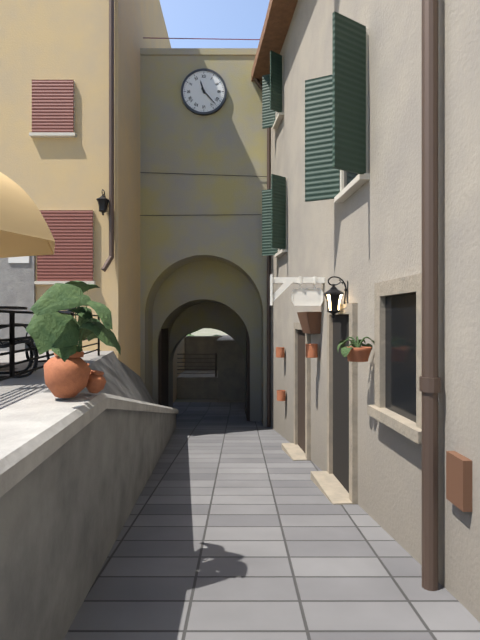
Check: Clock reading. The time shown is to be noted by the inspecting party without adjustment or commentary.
11:23
